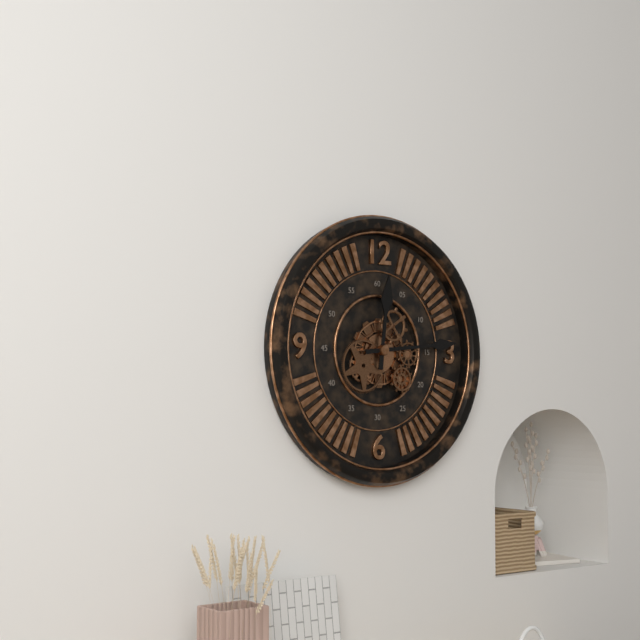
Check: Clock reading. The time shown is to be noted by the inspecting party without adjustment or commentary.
12:14
